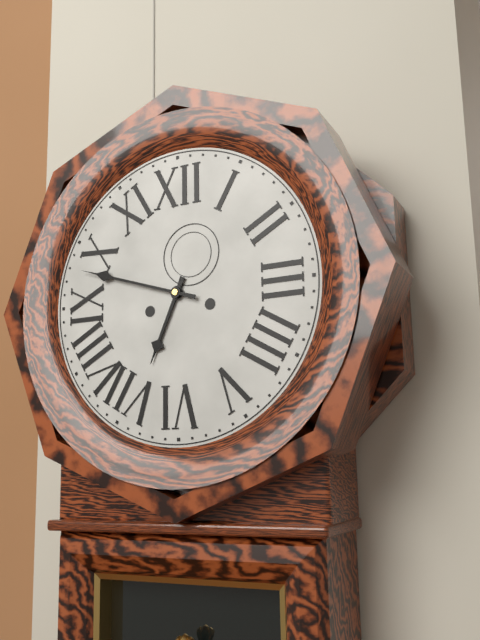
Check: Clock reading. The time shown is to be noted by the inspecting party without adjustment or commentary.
6:48
